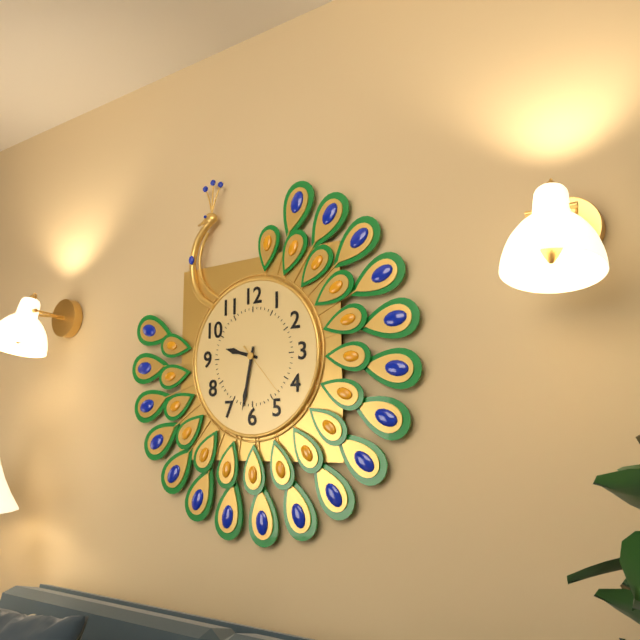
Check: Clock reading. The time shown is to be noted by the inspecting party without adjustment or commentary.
9:32:23
